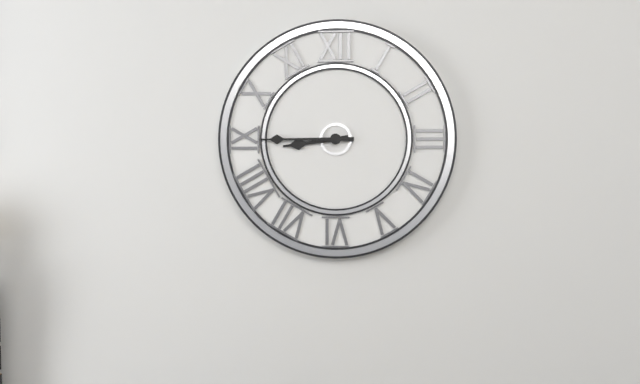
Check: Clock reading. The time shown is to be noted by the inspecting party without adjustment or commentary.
8:45
